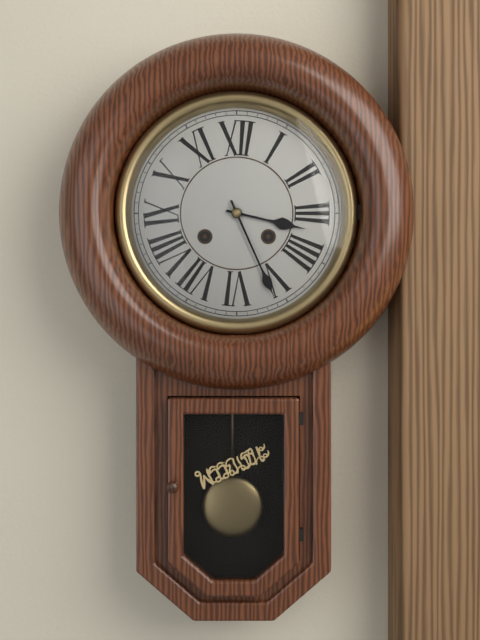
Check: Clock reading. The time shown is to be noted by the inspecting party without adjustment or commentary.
3:26
